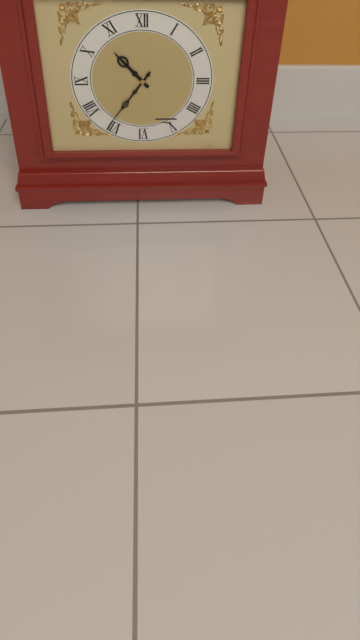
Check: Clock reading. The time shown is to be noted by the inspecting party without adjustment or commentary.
10:36
